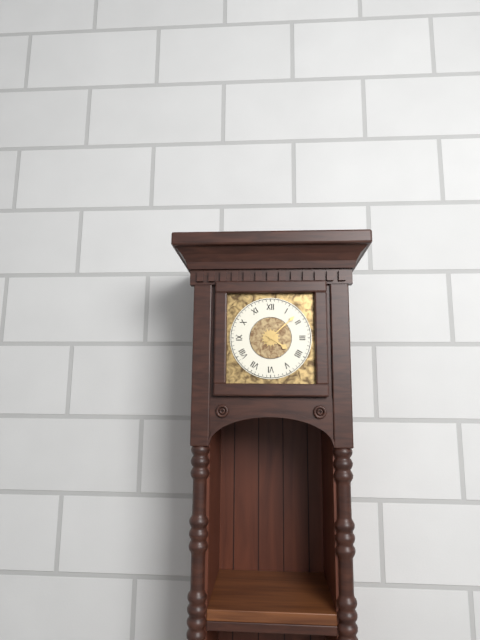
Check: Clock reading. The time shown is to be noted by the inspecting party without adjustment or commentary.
4:08
